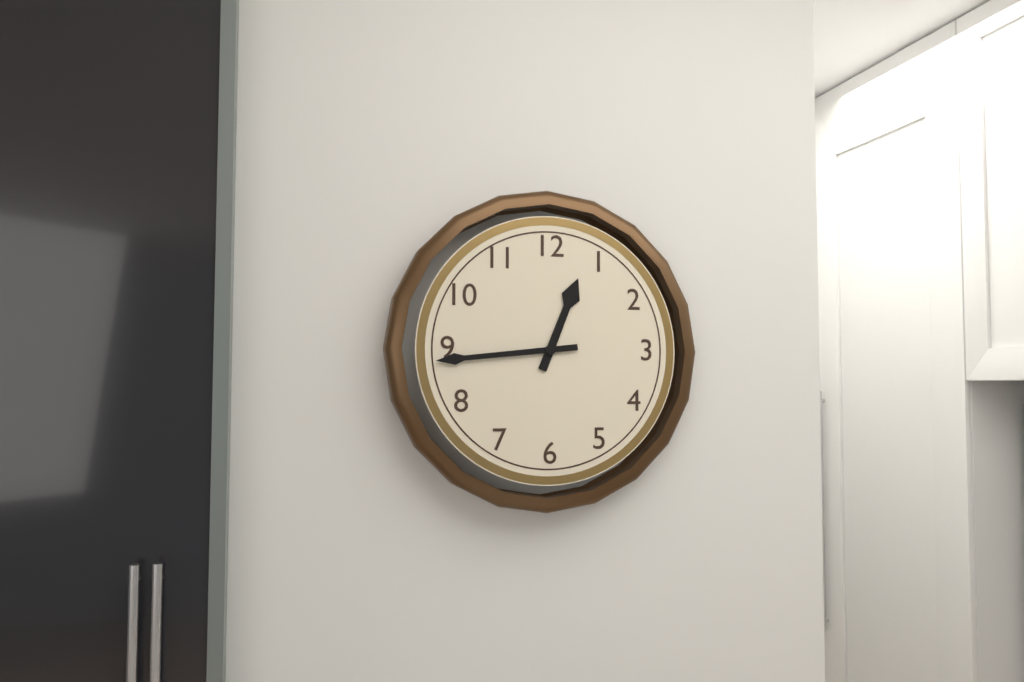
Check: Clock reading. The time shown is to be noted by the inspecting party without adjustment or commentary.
12:44
